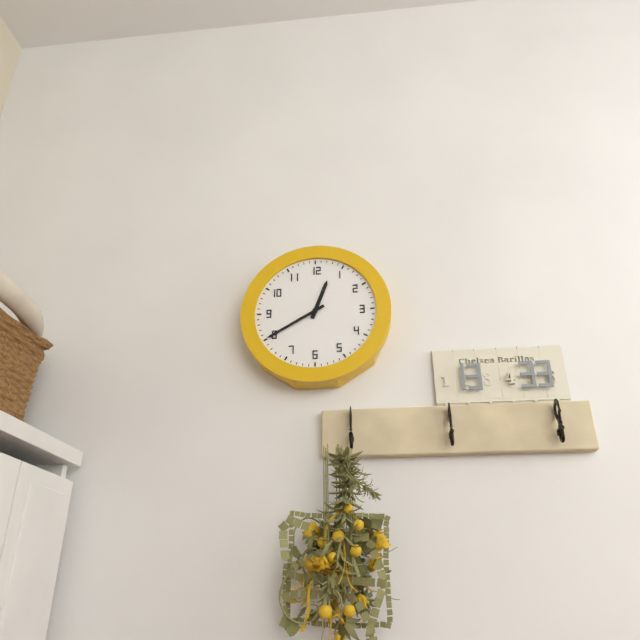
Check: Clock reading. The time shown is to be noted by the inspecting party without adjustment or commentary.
12:40
